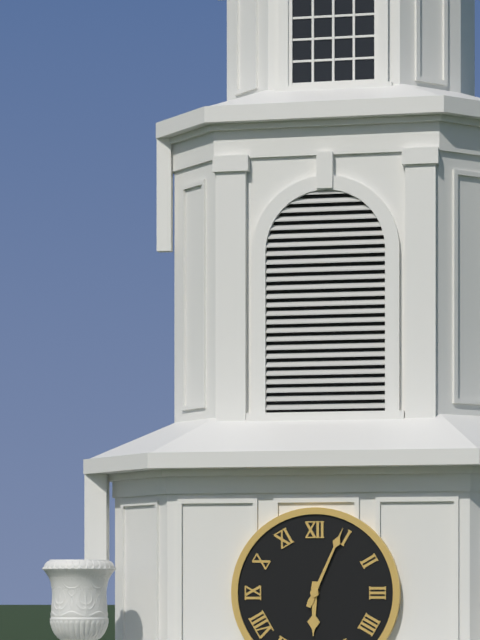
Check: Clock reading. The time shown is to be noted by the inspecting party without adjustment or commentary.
6:04
